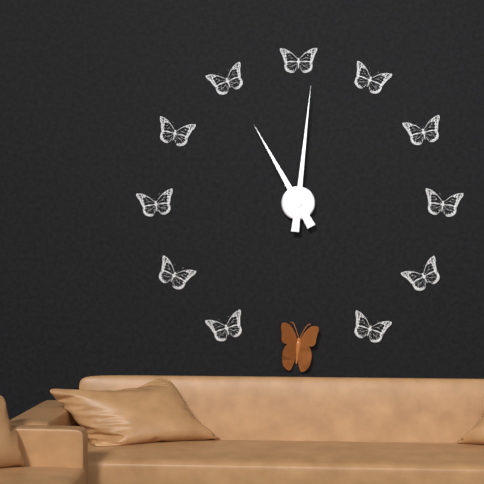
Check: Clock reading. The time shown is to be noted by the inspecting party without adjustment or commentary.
11:01
